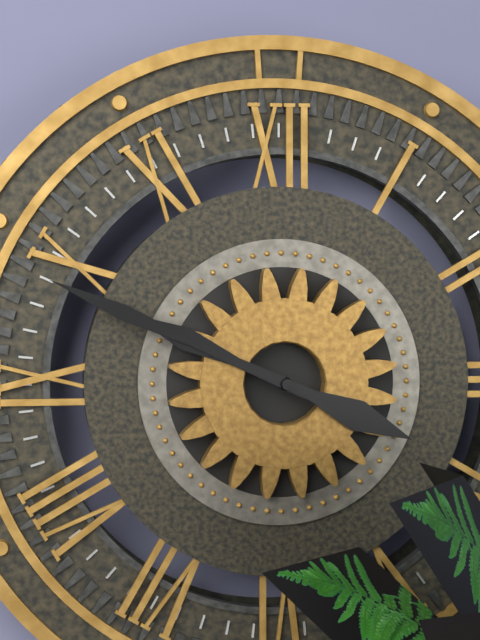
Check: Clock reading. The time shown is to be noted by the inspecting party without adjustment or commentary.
9:49
